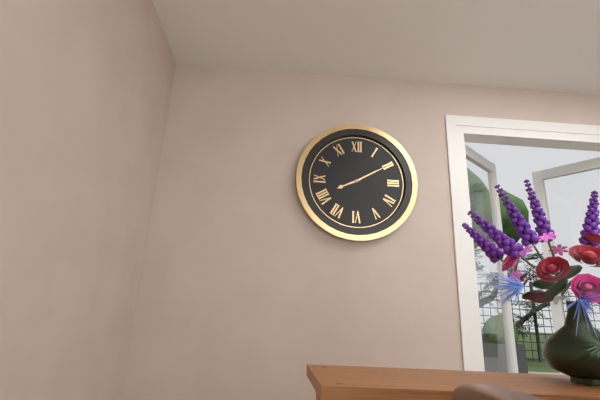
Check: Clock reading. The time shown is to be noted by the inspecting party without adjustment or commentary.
8:10
